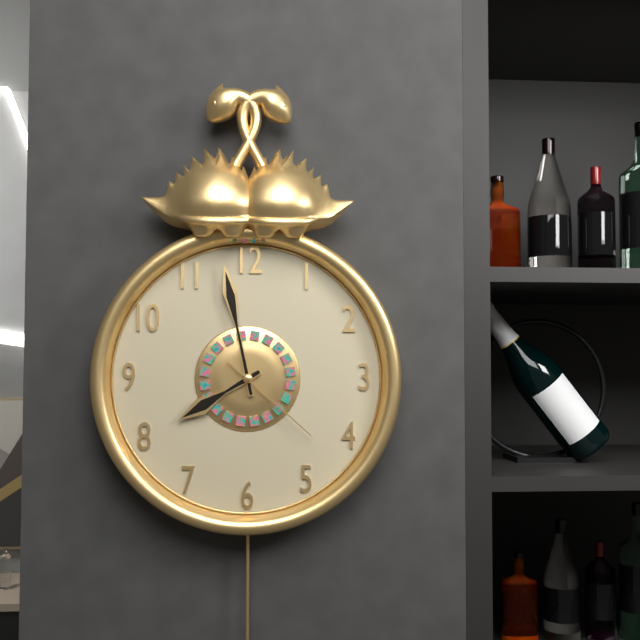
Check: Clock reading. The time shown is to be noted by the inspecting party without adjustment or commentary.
7:58:22
